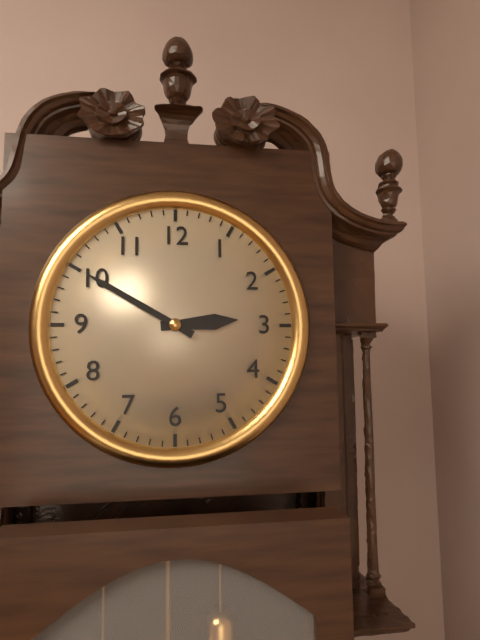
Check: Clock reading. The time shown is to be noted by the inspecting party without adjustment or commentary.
2:50
